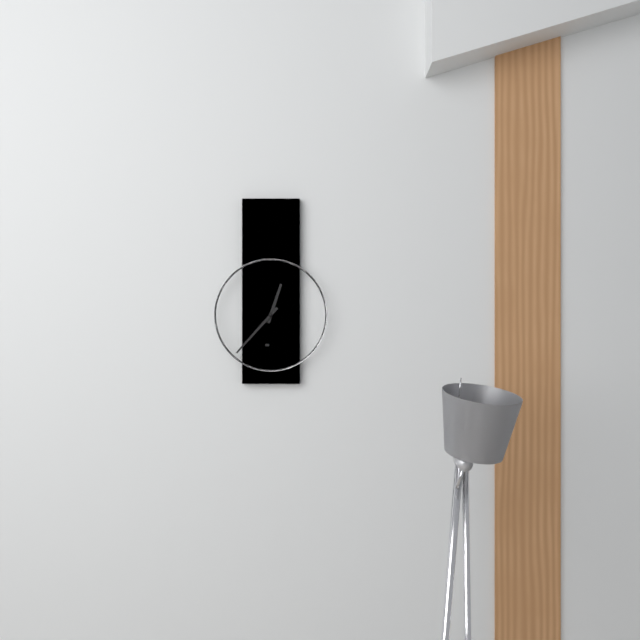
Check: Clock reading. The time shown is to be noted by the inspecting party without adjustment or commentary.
12:37
